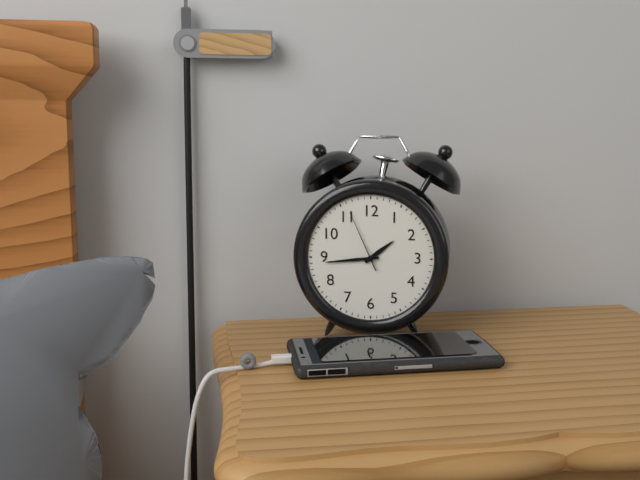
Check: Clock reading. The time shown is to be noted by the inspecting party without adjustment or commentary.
1:44:56
